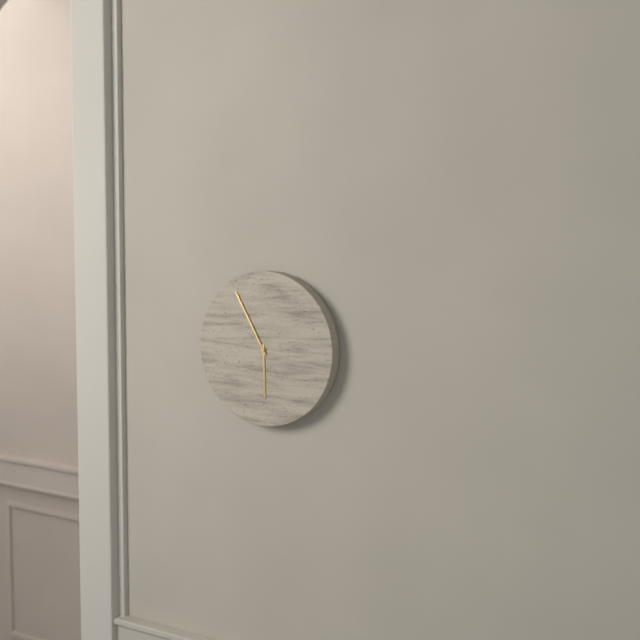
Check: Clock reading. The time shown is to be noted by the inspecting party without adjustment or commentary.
5:55
